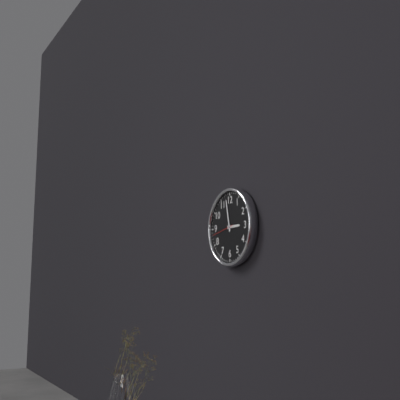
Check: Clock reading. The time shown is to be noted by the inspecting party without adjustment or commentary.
2:58
